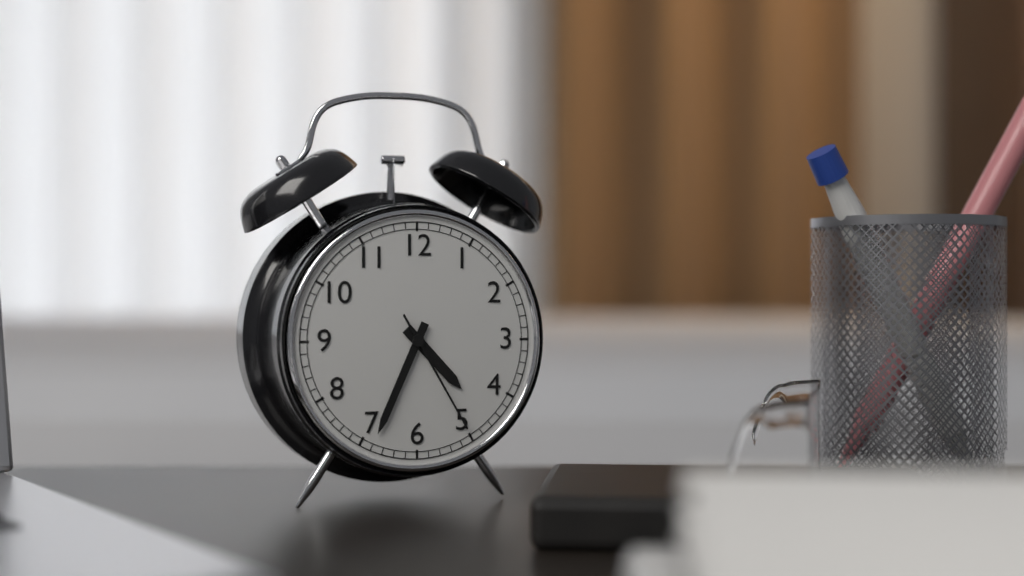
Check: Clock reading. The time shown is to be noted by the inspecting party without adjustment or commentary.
4:34:25
